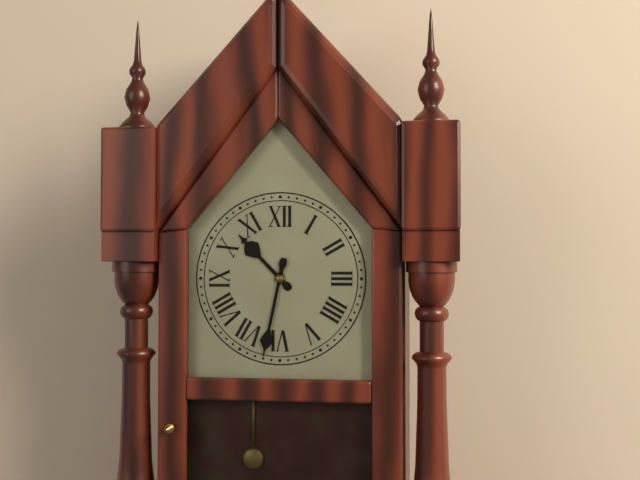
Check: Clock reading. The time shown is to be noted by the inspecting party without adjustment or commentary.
10:32
